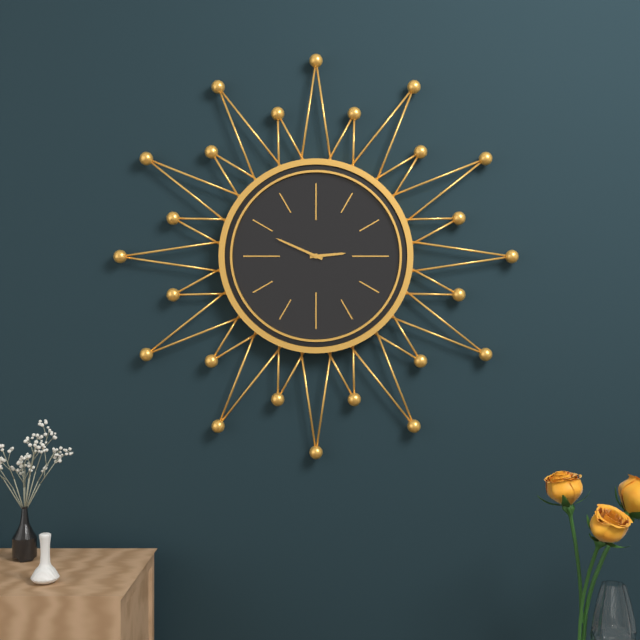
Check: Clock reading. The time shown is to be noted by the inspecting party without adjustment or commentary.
2:49
